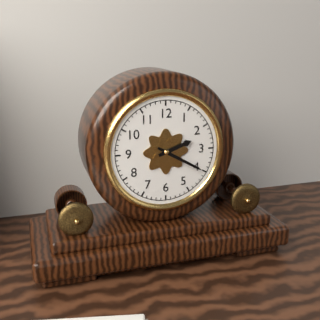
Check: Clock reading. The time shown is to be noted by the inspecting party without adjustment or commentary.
2:20
